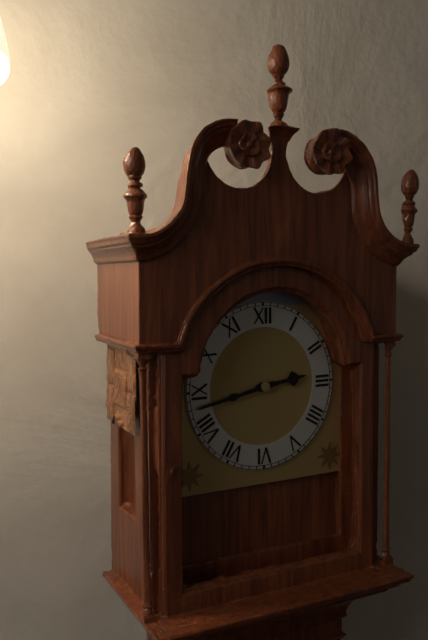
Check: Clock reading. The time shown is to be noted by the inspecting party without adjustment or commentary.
2:43
